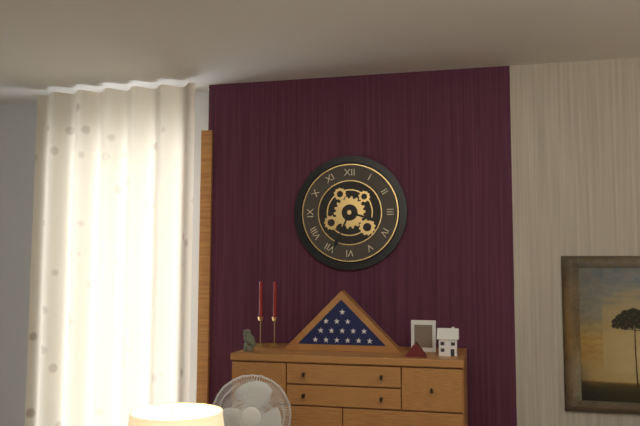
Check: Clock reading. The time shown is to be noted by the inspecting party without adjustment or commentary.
3:34
